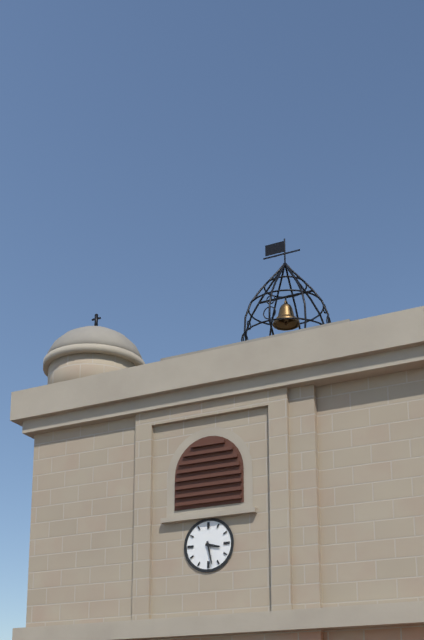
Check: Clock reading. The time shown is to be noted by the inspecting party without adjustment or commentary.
3:28
